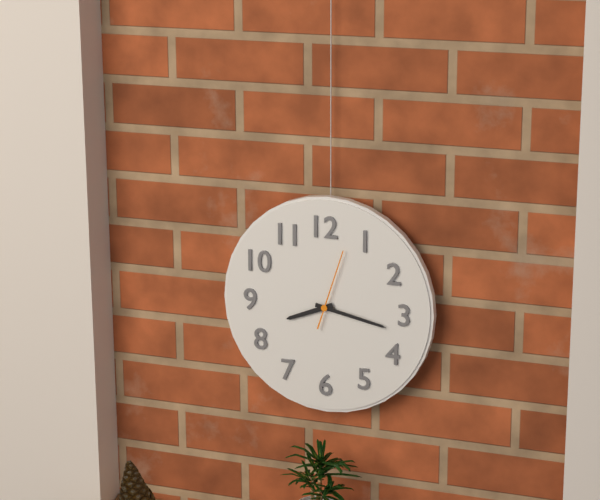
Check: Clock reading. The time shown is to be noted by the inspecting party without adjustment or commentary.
8:17:03
